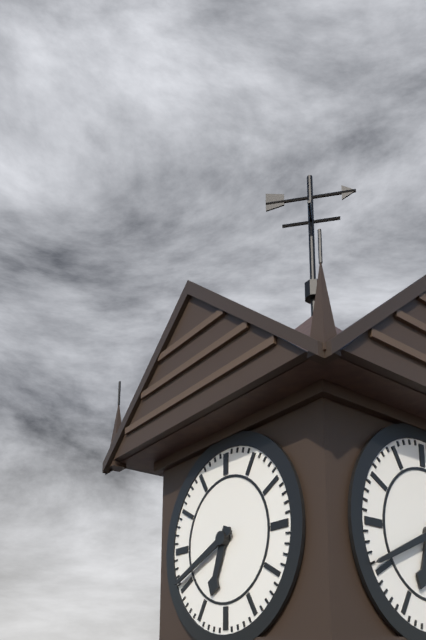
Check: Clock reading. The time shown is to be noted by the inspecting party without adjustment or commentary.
6:41
